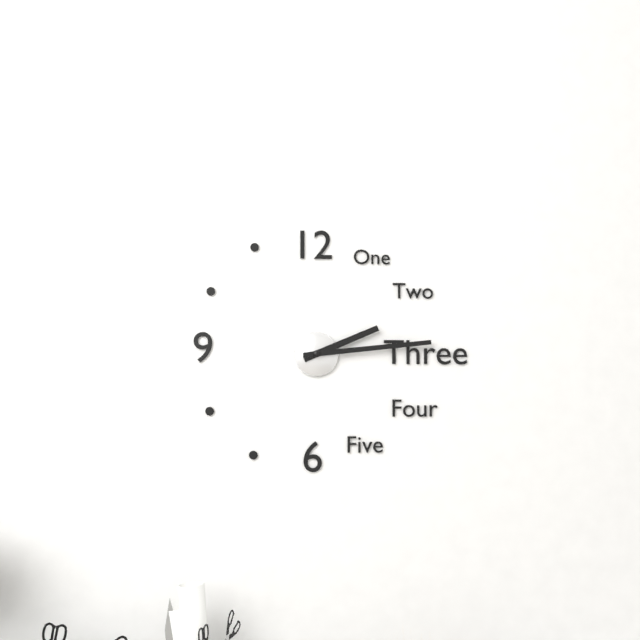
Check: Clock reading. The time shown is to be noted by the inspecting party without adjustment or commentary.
2:14
